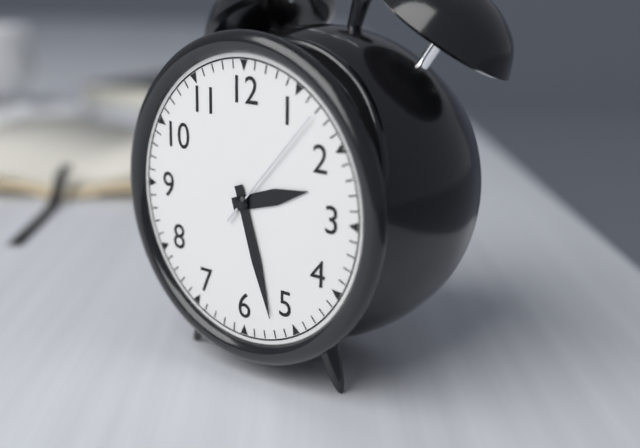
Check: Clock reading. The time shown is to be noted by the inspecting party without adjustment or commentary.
2:27:07
